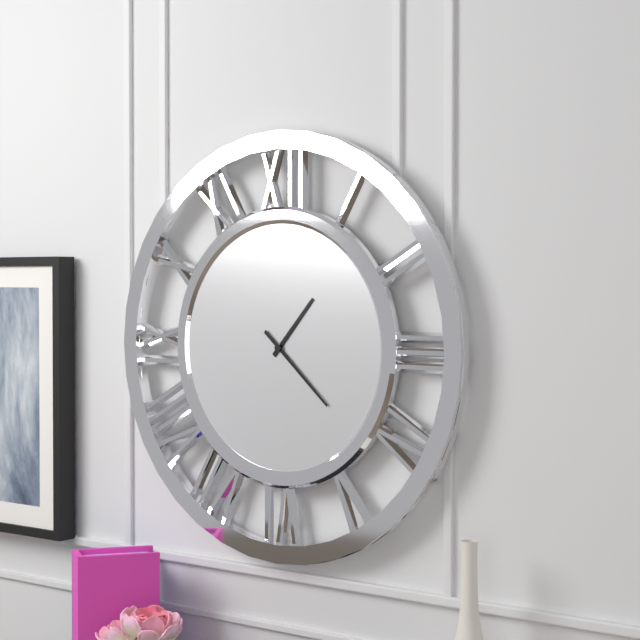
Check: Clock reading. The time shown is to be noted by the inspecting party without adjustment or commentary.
1:22
